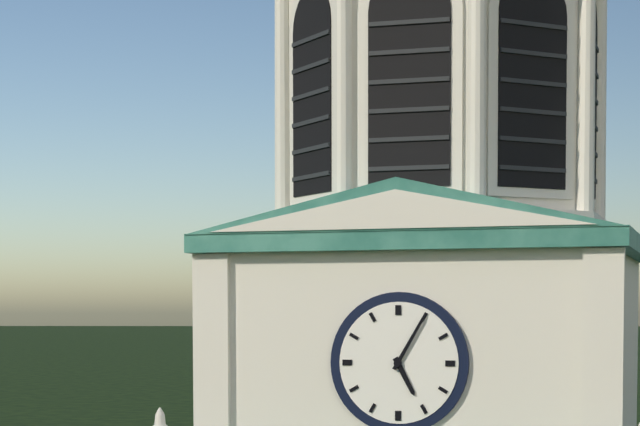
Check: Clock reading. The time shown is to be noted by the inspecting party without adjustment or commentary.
5:05
